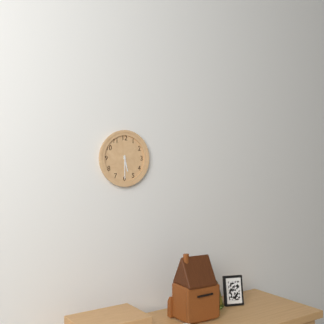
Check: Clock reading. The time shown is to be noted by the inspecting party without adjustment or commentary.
5:30
